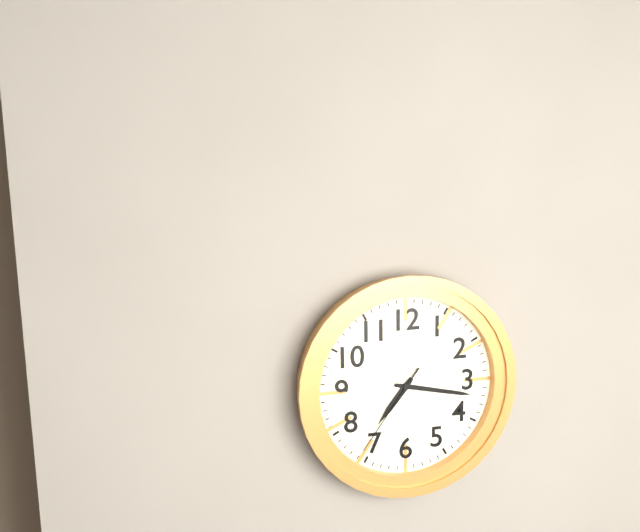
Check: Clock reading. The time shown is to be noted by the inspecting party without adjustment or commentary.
7:17:36
